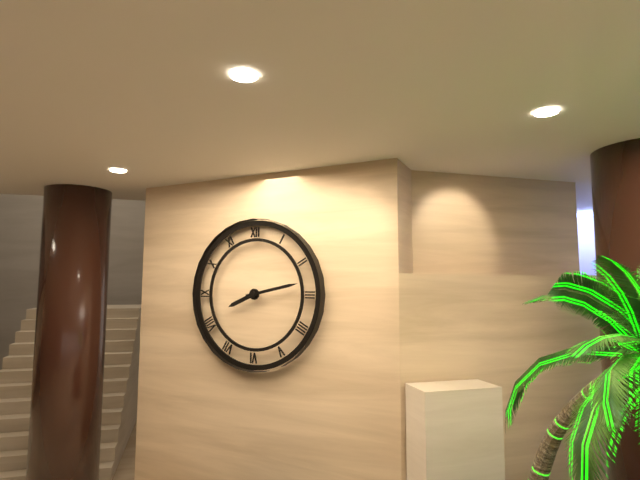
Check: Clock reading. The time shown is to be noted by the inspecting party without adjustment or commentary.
8:13
